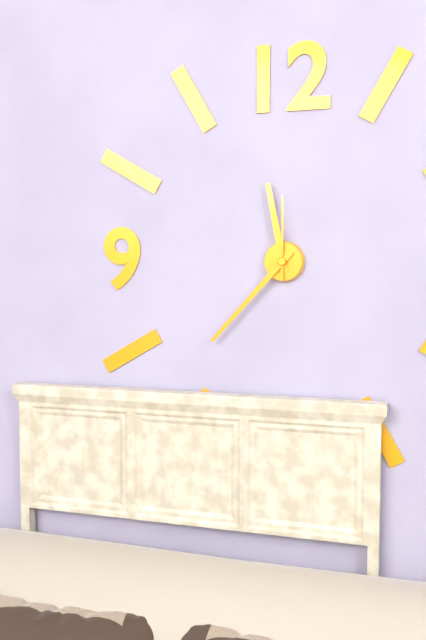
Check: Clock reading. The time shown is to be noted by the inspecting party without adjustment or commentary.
11:37:00
